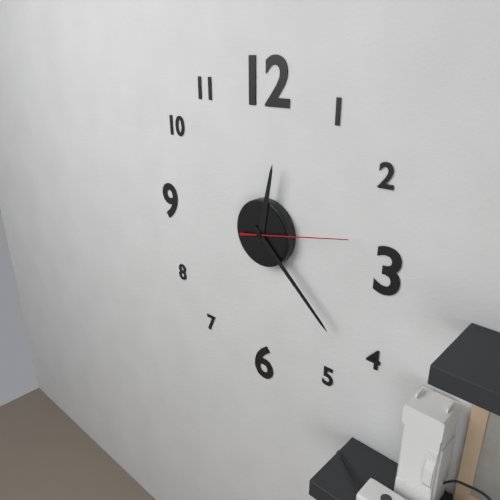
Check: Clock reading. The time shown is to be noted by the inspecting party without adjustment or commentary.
12:22:13
